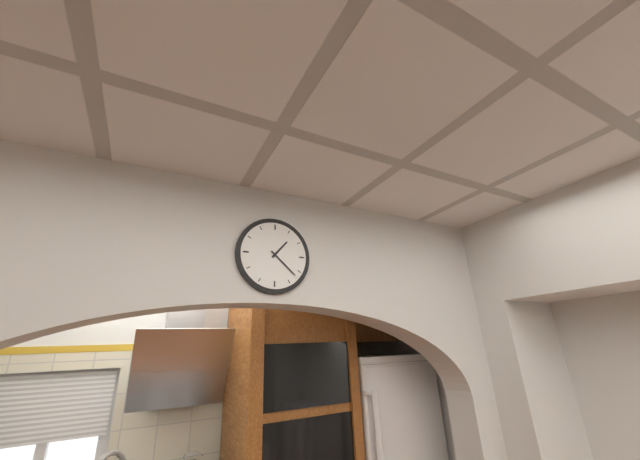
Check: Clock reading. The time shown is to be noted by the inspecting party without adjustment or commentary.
1:22
